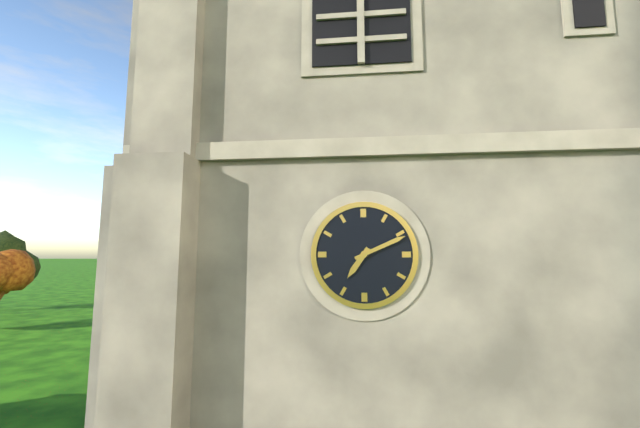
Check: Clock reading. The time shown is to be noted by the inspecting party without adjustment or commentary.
7:11
